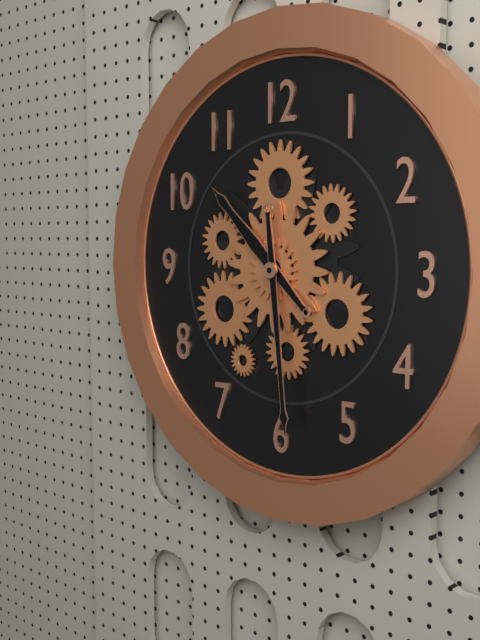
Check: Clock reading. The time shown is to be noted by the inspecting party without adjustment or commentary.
10:29
